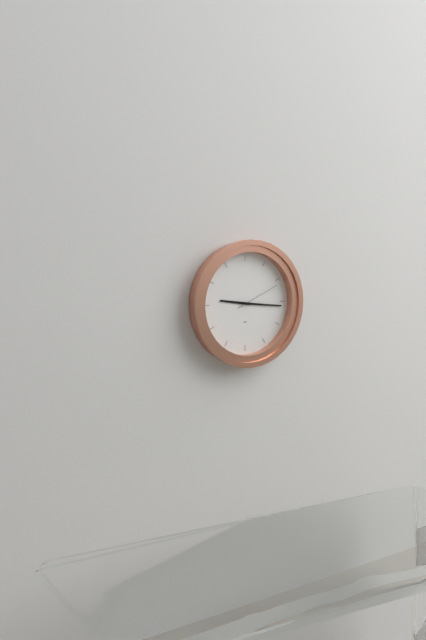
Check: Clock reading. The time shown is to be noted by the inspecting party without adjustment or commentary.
9:16
